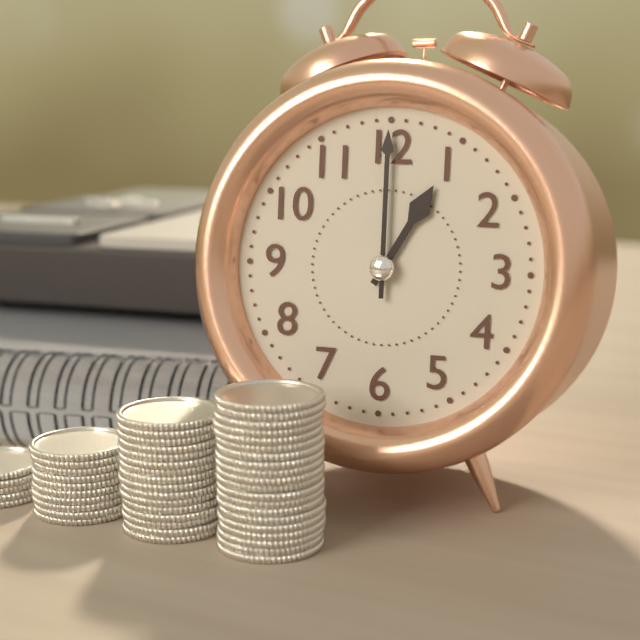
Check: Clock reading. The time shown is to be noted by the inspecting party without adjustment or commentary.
1:00
